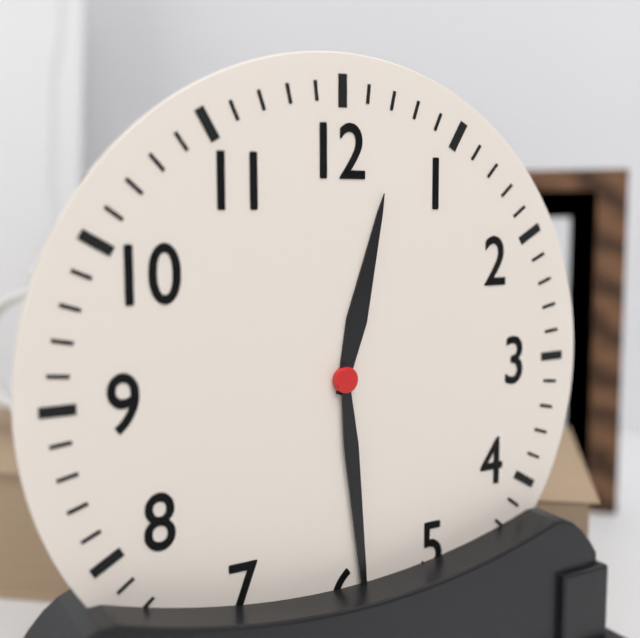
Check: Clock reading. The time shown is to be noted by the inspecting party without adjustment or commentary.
12:29
